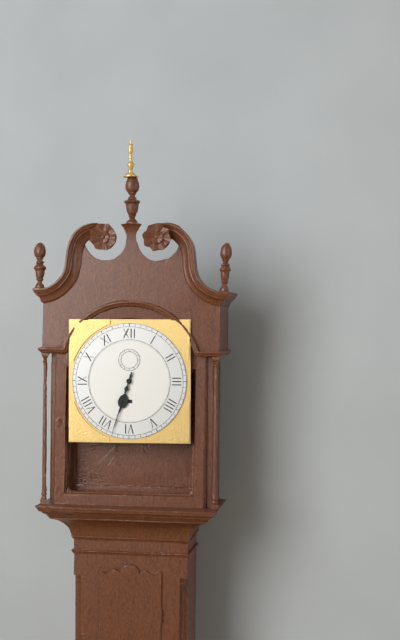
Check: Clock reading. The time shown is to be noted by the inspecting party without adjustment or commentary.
6:33
